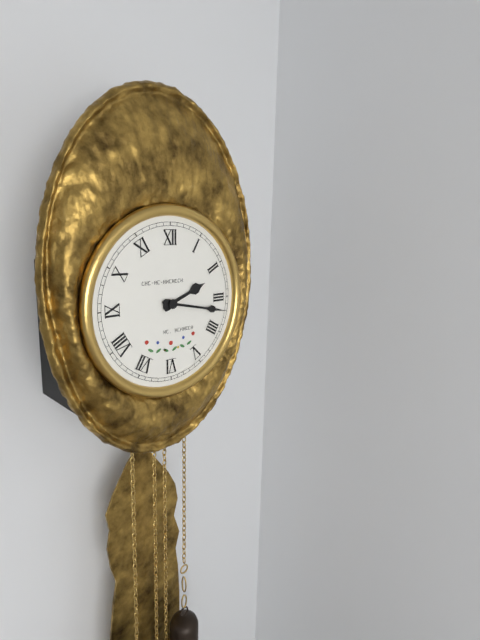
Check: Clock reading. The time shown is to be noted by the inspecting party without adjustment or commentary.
2:17
